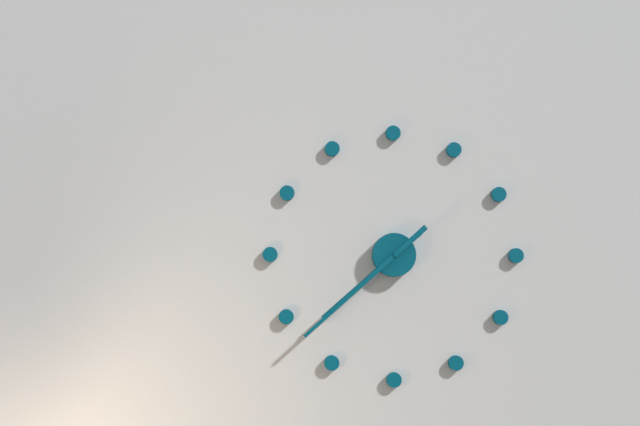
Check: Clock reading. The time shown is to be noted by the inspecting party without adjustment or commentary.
7:38
